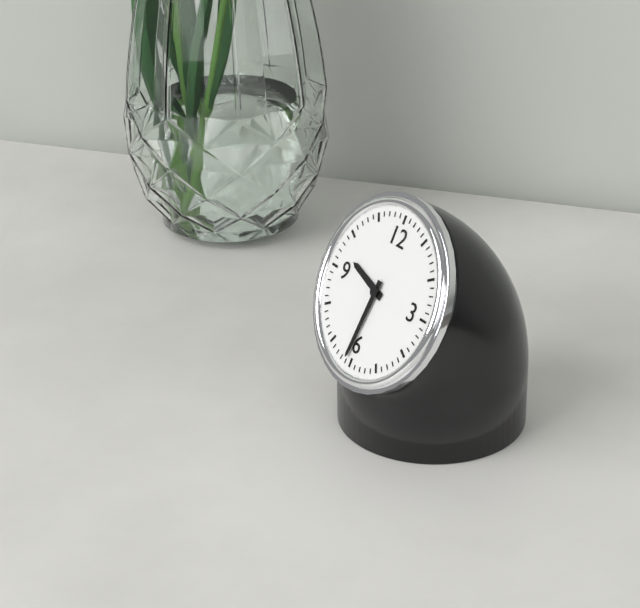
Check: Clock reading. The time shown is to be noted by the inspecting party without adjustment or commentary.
9:31
